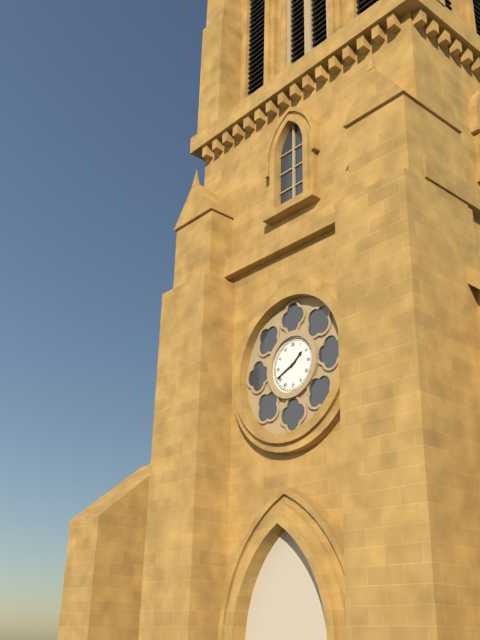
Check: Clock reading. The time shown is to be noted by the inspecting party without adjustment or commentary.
1:41
